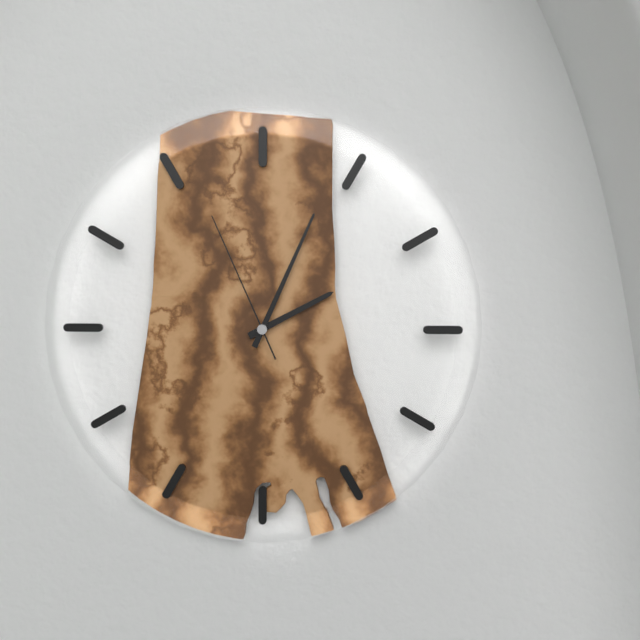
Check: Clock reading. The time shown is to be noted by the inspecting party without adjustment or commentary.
2:04:56
